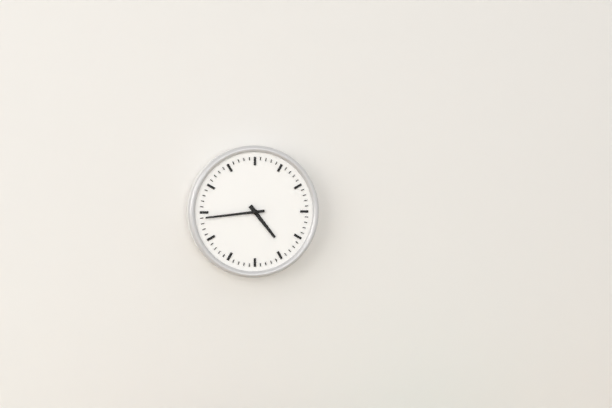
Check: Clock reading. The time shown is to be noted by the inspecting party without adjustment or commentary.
4:44
